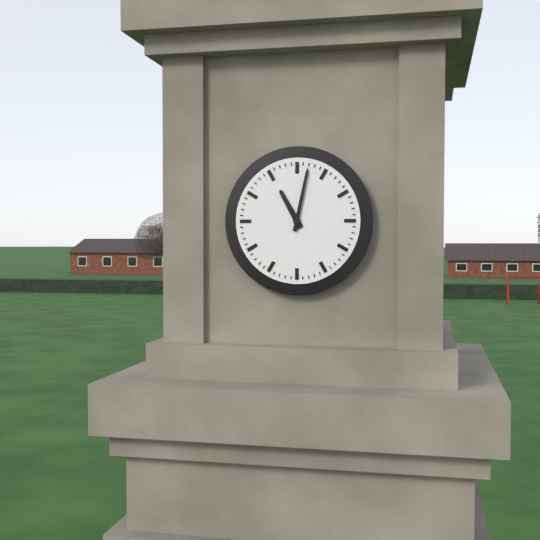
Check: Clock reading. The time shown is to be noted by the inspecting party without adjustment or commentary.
11:02
